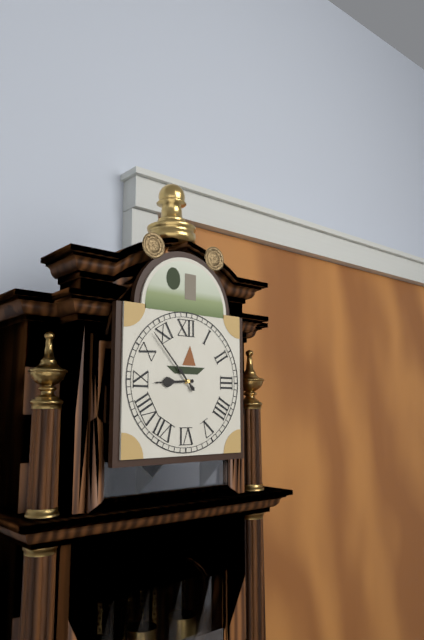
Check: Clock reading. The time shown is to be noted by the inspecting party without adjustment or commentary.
8:53
